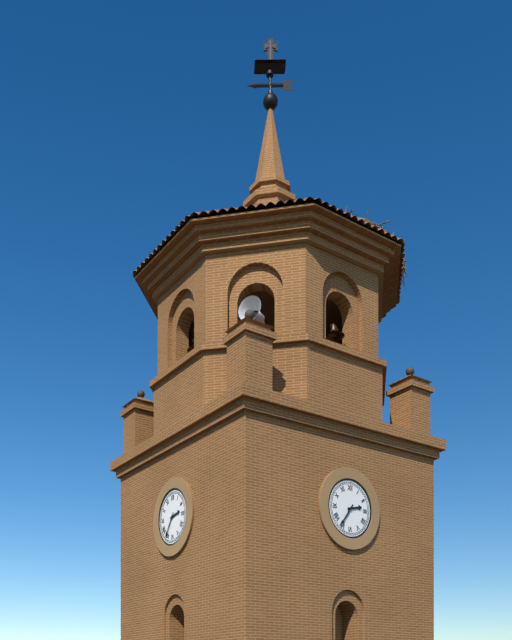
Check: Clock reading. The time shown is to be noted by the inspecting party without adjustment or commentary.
2:36
